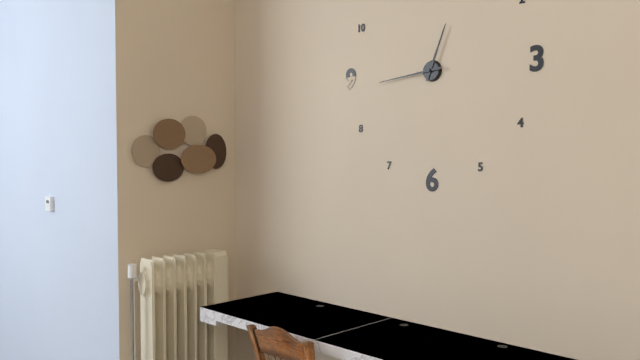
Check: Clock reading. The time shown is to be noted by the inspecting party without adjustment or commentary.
12:44
